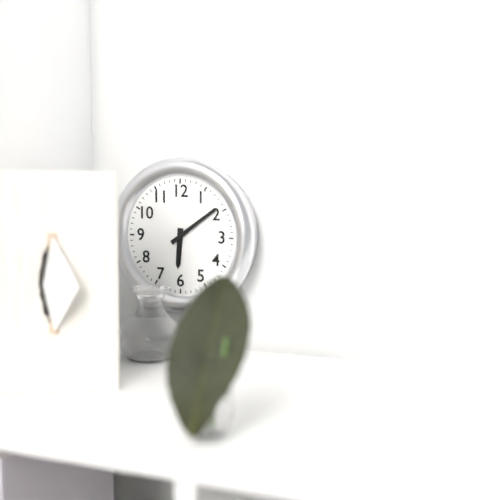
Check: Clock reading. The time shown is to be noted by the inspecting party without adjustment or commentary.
6:09
